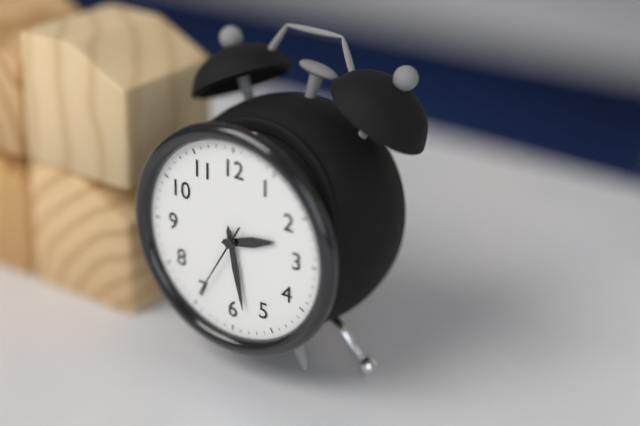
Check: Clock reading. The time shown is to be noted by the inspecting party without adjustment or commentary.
2:28:35
